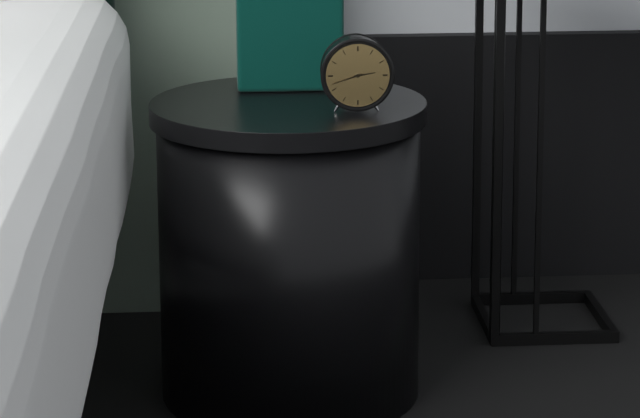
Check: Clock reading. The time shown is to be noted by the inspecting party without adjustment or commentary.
2:42
